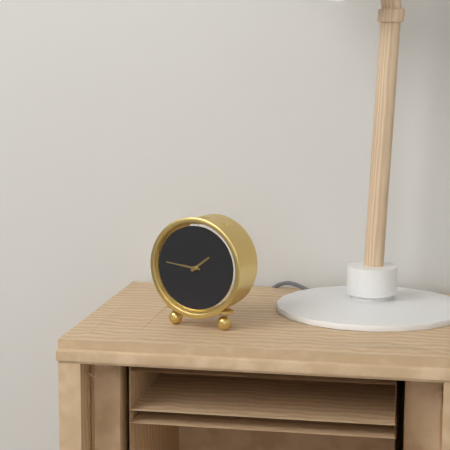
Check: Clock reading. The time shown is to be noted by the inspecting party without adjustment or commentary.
1:46
